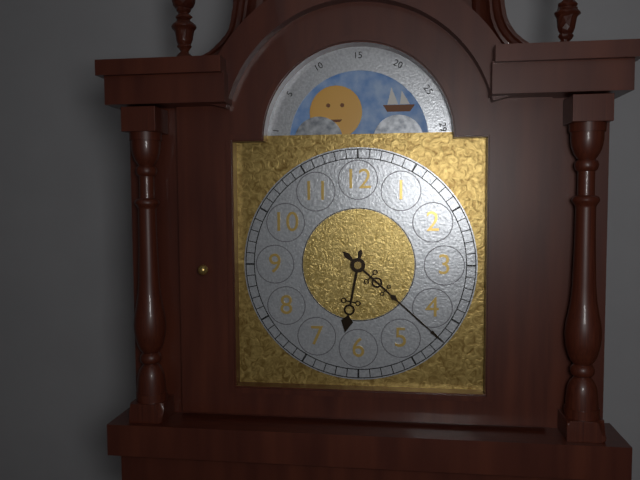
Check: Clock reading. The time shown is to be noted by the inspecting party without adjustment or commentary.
6:22
